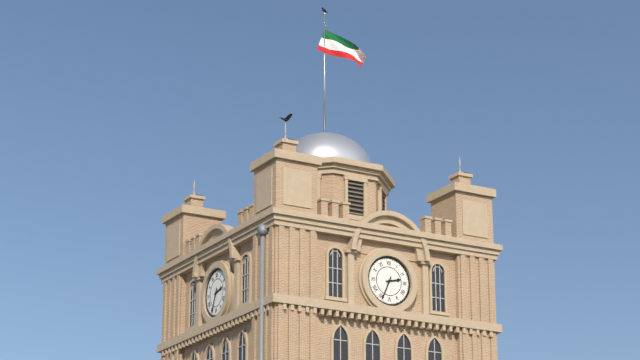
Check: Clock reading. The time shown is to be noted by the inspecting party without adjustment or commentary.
2:34
